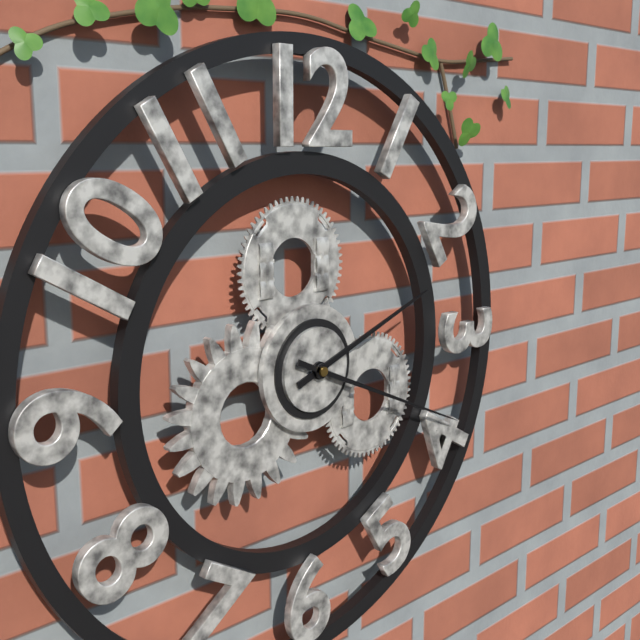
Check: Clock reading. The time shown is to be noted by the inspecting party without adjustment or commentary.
2:19
